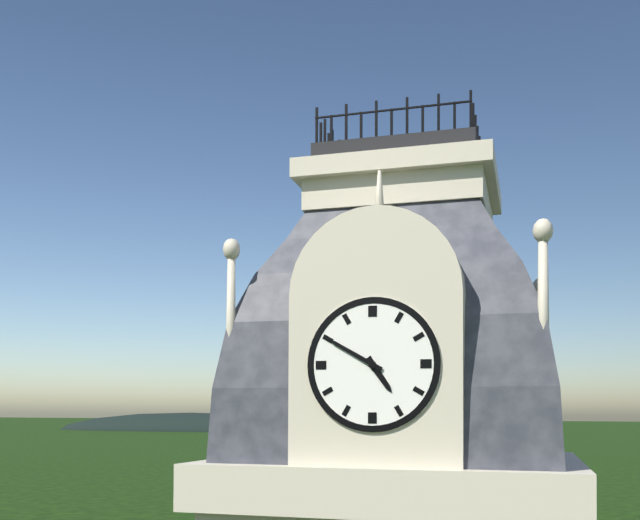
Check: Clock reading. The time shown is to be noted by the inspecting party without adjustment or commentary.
4:50
